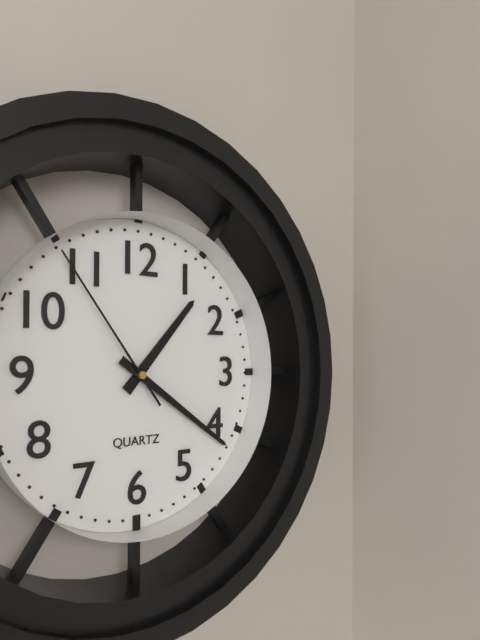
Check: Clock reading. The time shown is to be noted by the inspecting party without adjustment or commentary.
1:21:54
